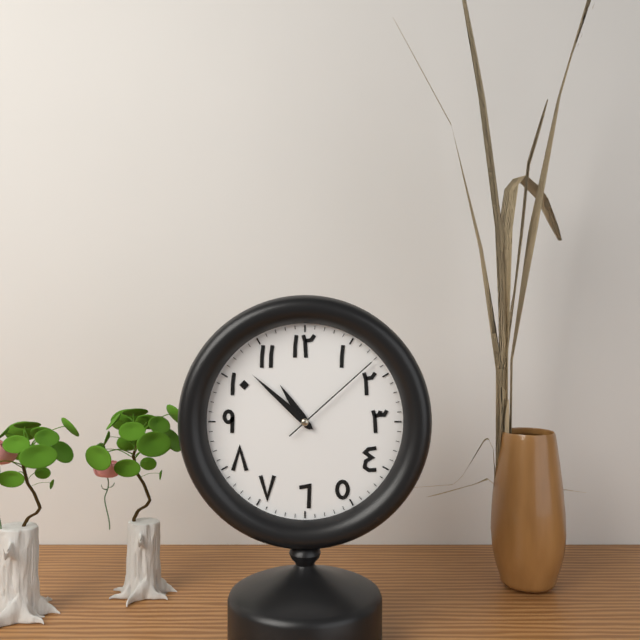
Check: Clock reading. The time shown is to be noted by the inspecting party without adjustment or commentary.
10:52:08
